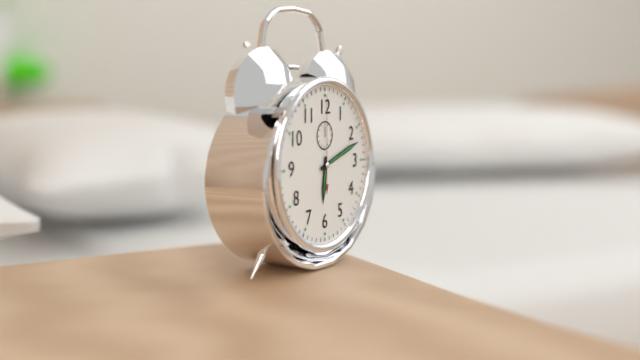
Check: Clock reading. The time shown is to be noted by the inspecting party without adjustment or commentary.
6:12:00
